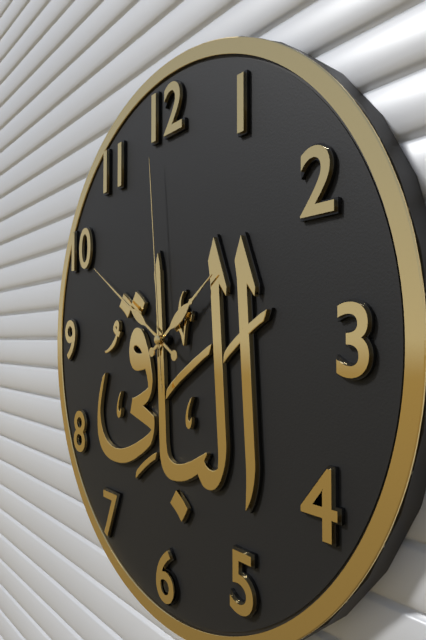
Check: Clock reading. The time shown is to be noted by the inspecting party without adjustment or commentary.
1:50:59
